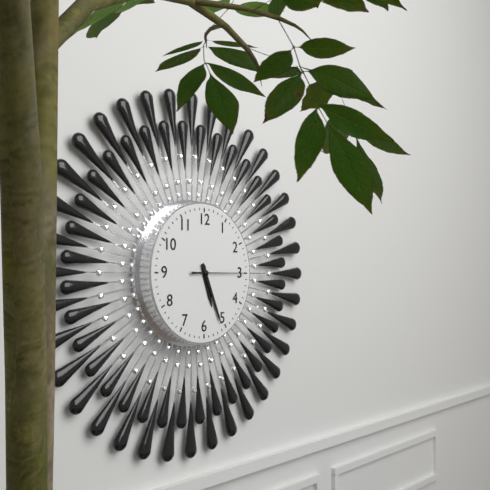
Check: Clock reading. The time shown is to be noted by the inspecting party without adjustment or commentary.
5:26:15
